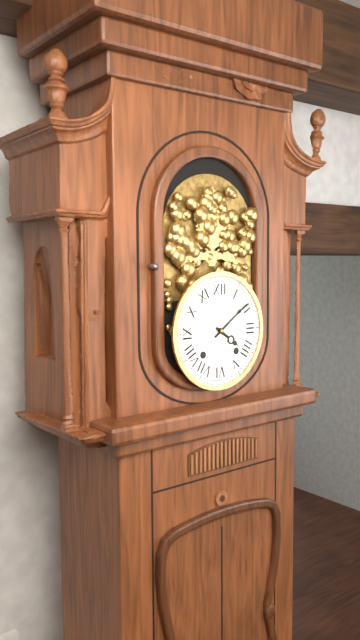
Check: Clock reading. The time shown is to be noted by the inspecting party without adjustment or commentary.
4:09
